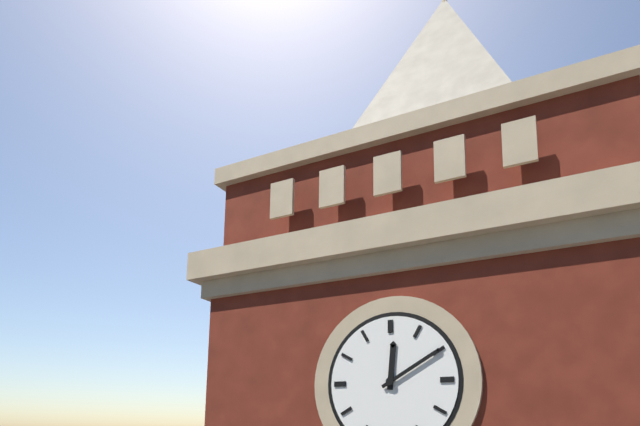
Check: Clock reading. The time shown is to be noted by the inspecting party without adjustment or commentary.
12:10
